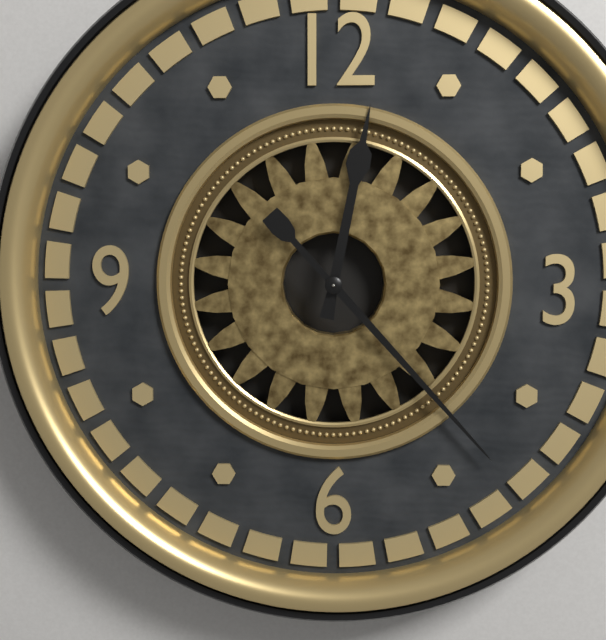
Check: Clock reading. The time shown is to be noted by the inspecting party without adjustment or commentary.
12:23
